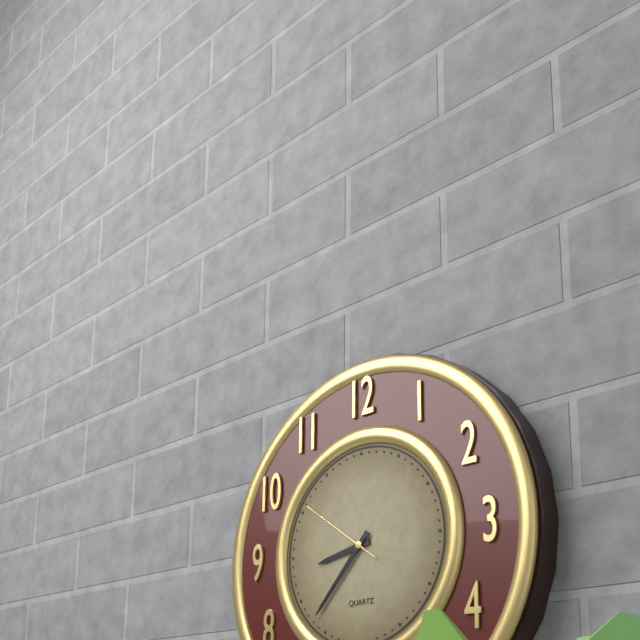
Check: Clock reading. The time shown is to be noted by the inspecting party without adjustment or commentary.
8:37:51
